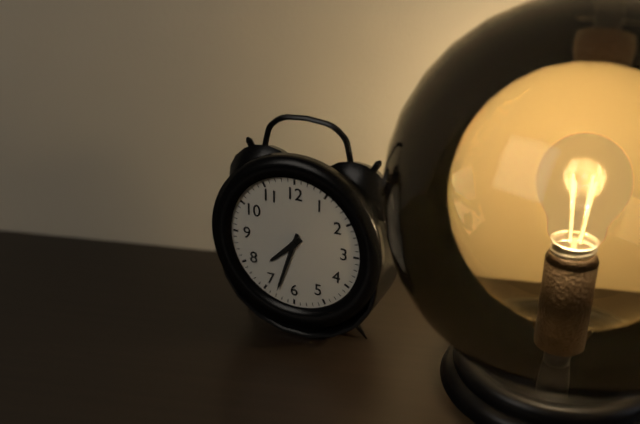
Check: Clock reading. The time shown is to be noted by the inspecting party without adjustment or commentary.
7:33
